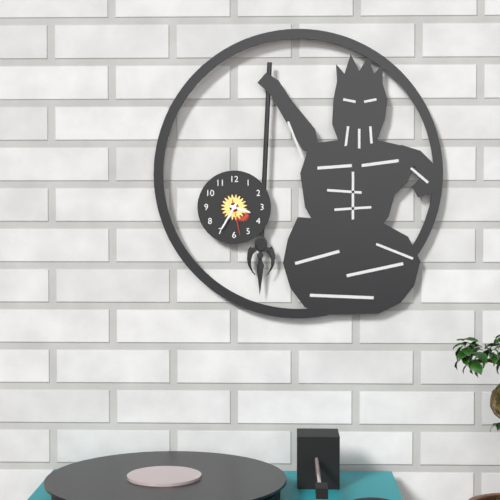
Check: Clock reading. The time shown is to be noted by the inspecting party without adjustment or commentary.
3:35
